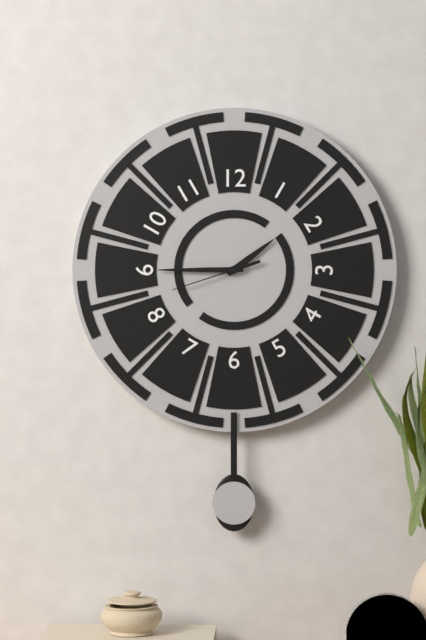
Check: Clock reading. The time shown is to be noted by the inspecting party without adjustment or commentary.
1:45:42
